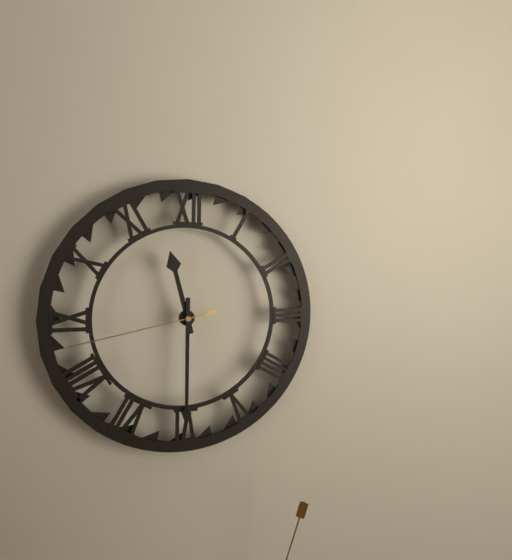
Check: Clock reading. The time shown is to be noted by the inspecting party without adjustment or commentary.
11:30:43
